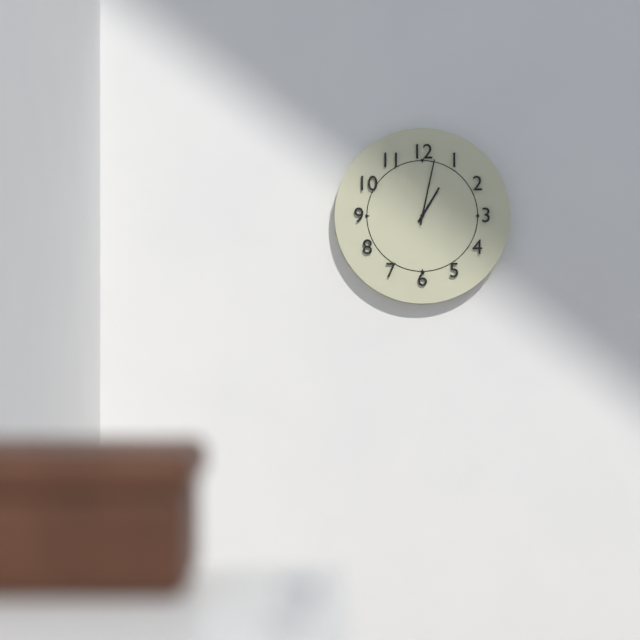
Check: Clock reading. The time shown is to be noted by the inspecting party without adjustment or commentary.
1:02
